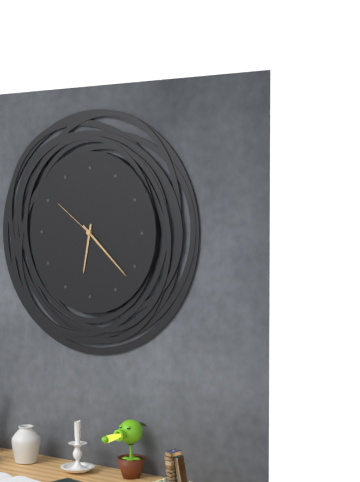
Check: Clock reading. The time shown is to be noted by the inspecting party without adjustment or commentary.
6:22:51
